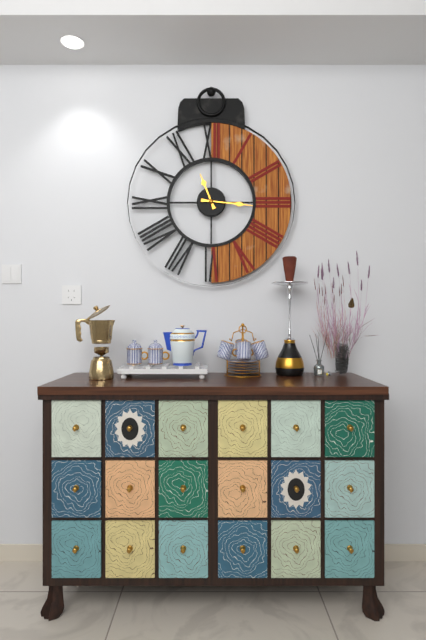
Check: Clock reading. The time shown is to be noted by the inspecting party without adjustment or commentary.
11:16
